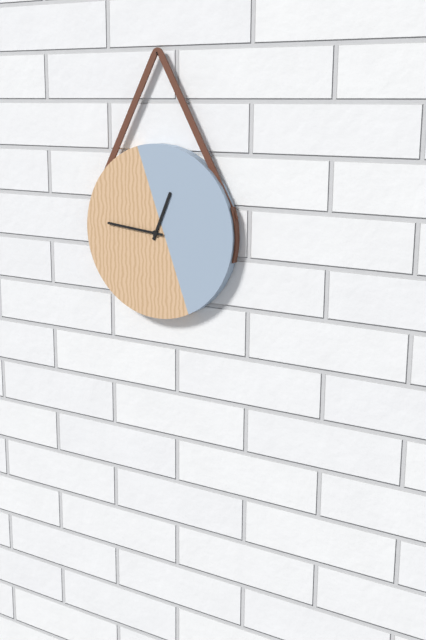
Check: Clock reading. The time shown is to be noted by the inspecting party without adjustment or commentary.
12:46
